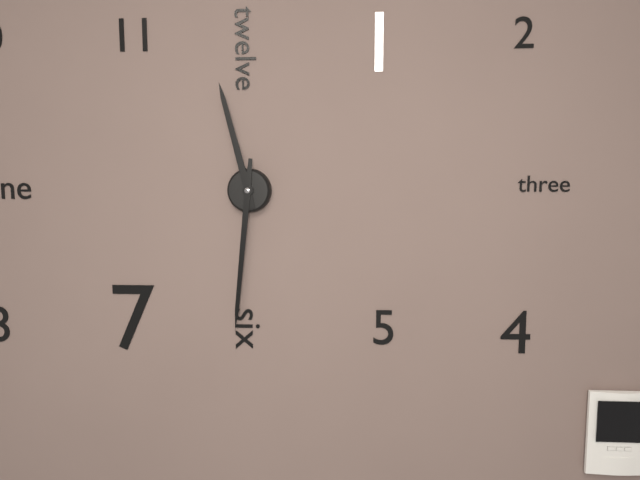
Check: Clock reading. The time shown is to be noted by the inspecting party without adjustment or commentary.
11:31
